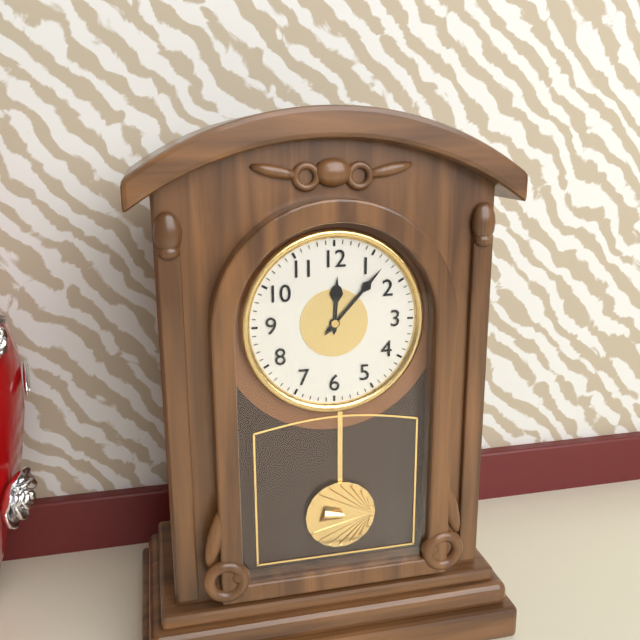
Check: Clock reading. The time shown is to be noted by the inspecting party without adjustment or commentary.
12:07
